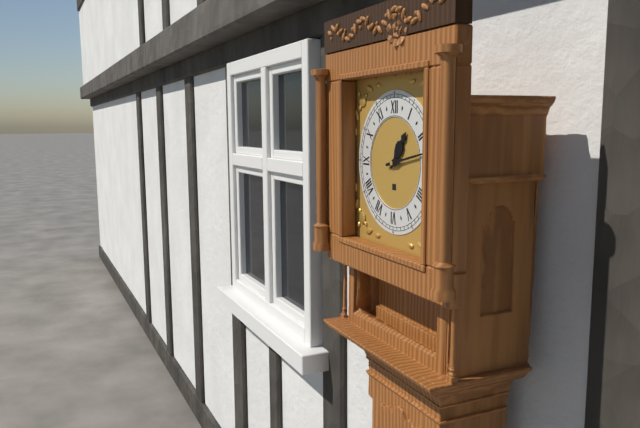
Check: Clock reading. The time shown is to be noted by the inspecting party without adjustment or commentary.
1:13
